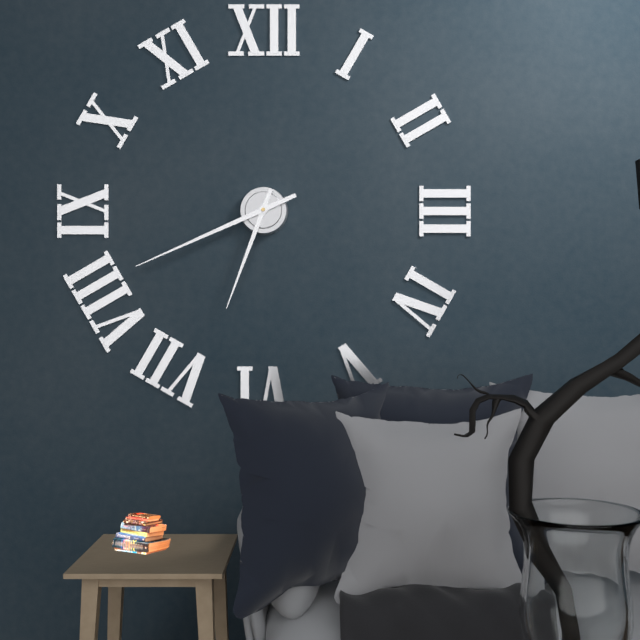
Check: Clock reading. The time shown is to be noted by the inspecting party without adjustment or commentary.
6:41
